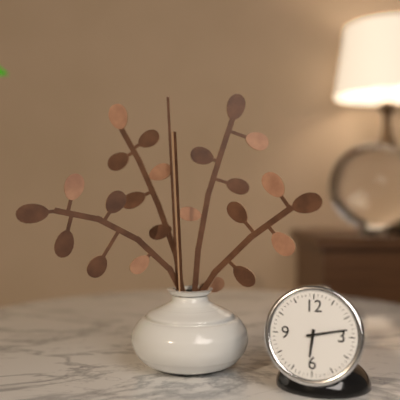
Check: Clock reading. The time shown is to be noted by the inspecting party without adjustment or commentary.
6:13
